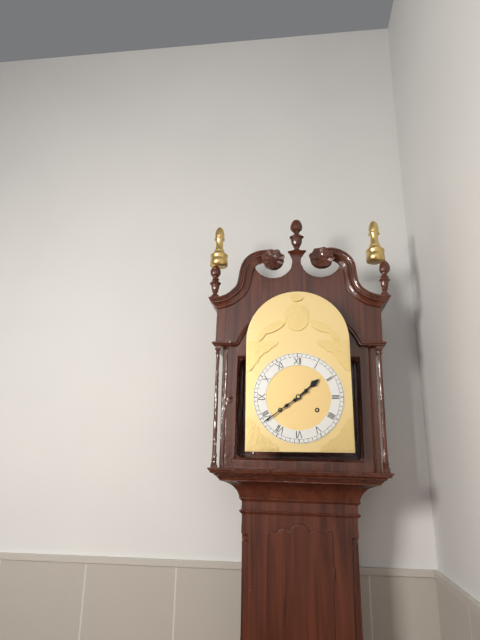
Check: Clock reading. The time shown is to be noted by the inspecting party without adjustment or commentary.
1:39
